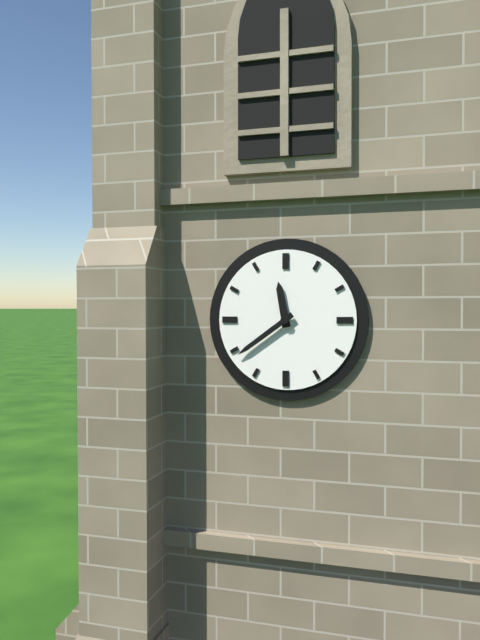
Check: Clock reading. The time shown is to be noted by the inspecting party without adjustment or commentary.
11:39
